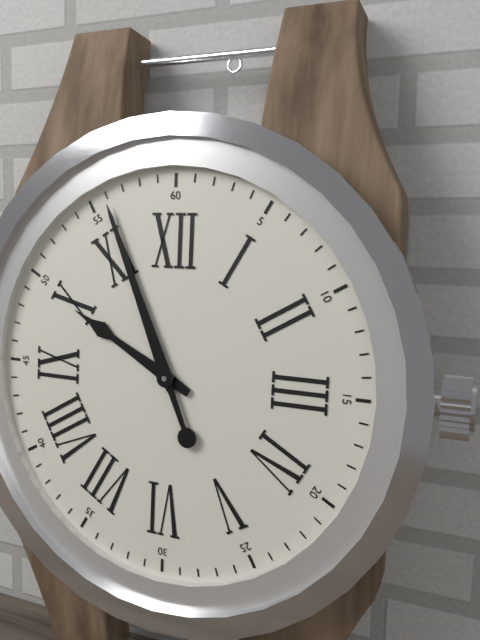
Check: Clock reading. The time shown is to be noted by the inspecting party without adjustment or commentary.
9:56
